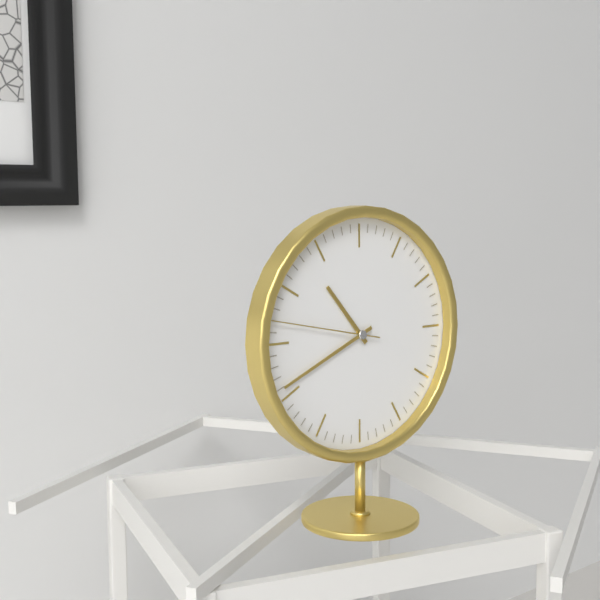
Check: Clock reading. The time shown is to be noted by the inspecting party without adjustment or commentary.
10:41:47
